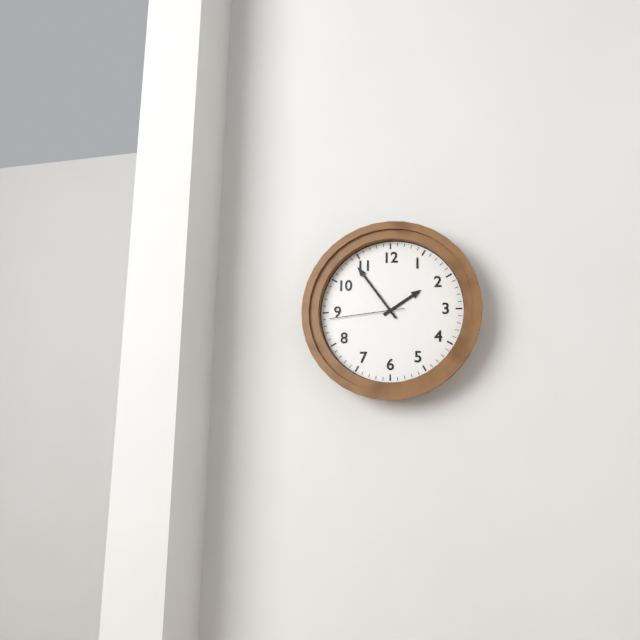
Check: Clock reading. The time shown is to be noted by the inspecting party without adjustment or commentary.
1:54:44
